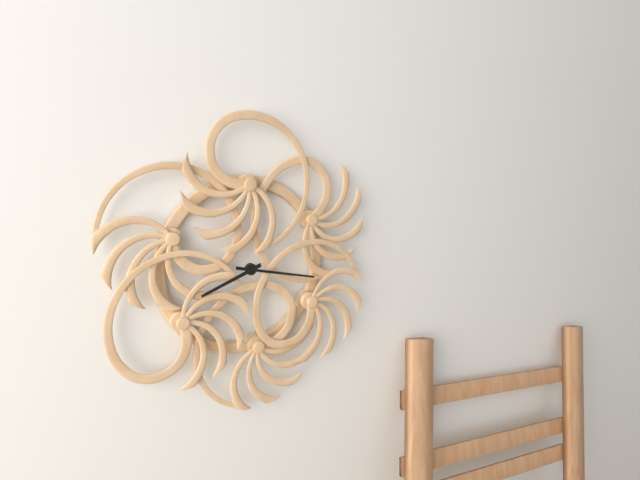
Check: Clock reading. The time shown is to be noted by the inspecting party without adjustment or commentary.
8:17
